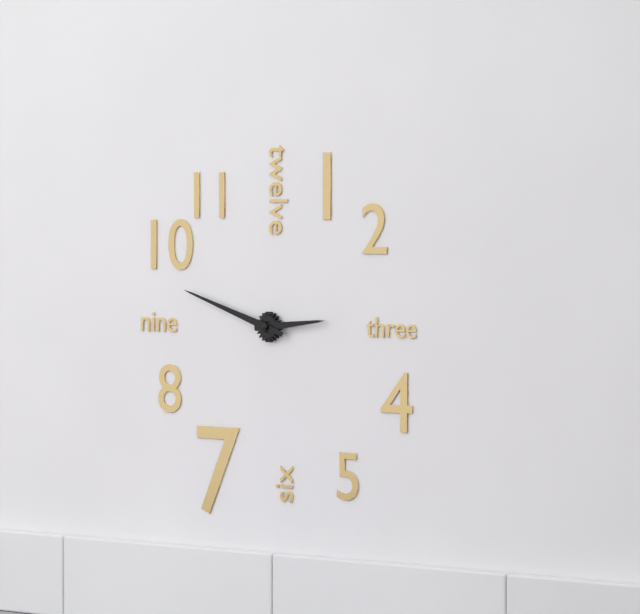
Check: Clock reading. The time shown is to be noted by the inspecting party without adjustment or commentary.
2:48
